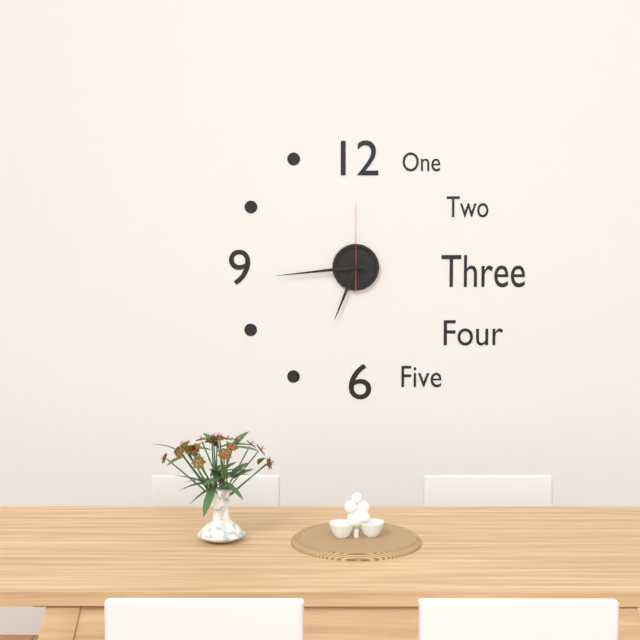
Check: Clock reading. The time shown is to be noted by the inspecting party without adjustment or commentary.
6:44:00
